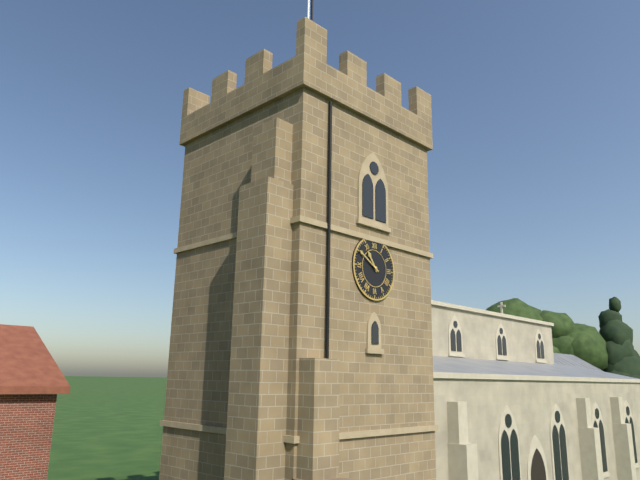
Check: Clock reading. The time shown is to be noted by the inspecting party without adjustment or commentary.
10:50
